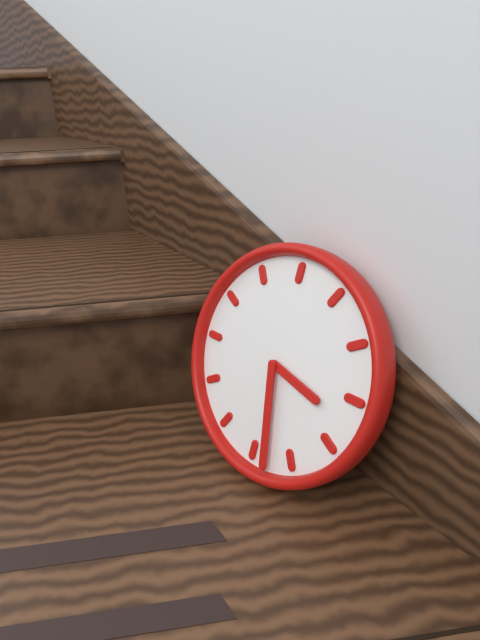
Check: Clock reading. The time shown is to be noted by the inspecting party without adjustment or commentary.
3:28
